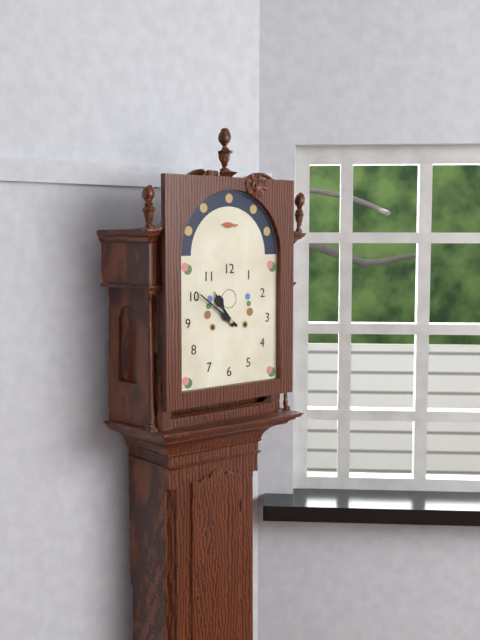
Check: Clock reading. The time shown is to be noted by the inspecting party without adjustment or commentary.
10:51
